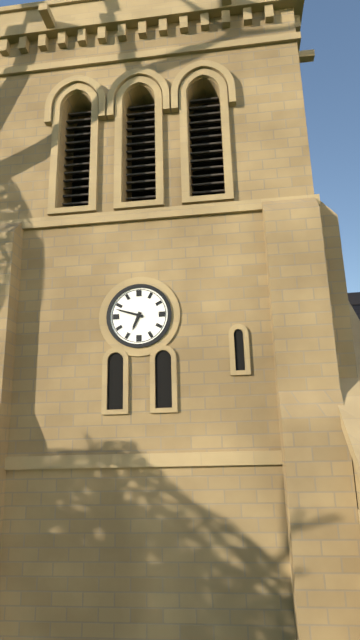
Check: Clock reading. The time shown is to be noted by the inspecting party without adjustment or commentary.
6:48
